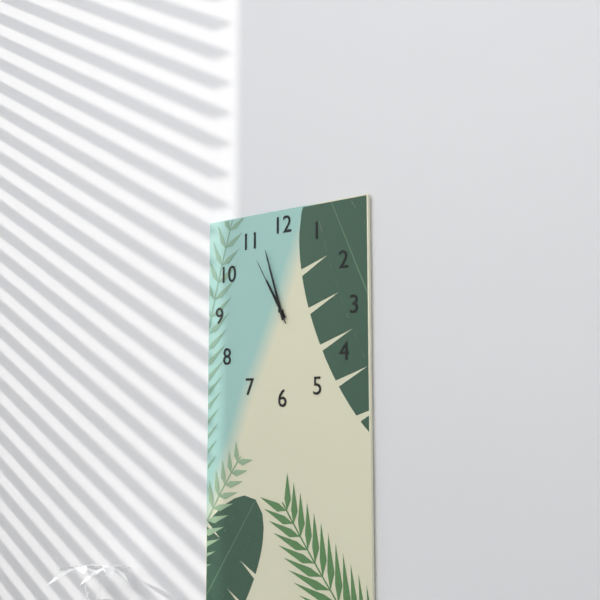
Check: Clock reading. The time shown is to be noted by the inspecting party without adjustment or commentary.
10:57:55
